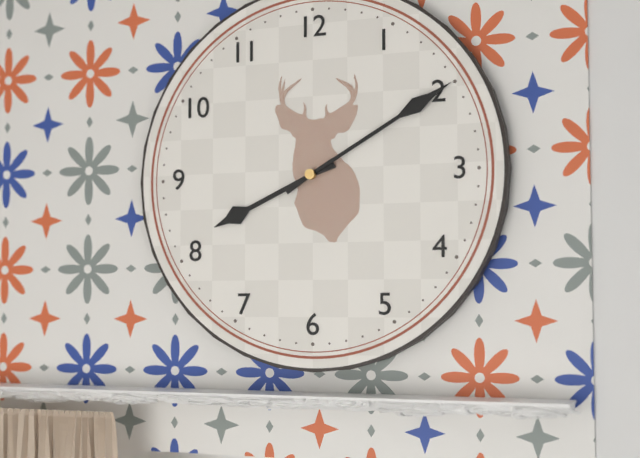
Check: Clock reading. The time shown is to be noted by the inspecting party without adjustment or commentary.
8:10
